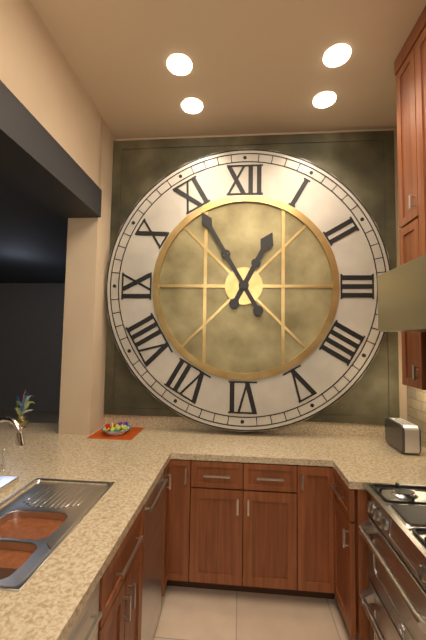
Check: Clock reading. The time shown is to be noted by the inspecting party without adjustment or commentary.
12:55
